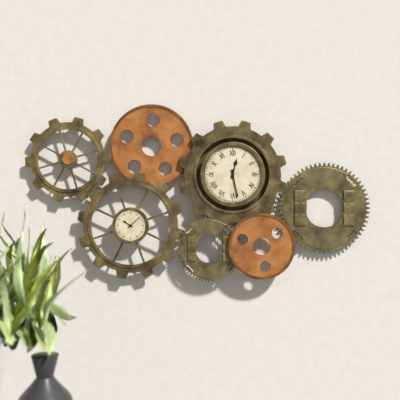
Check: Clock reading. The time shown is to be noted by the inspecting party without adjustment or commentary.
12:28
